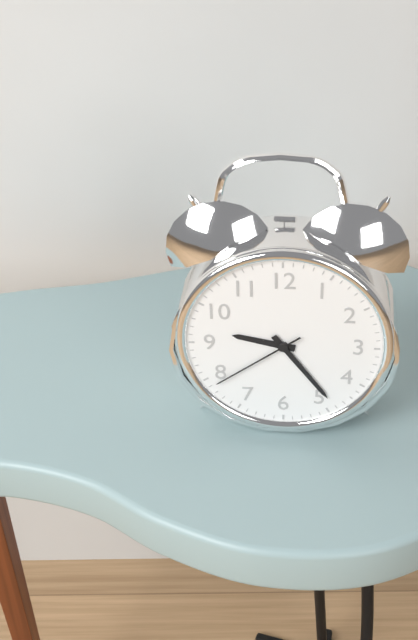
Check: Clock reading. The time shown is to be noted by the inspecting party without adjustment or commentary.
9:24:39
